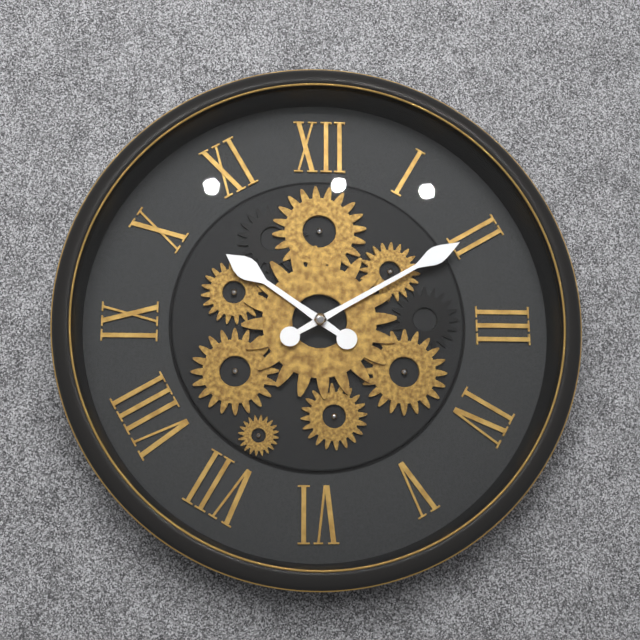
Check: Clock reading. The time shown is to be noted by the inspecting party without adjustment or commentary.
10:10
